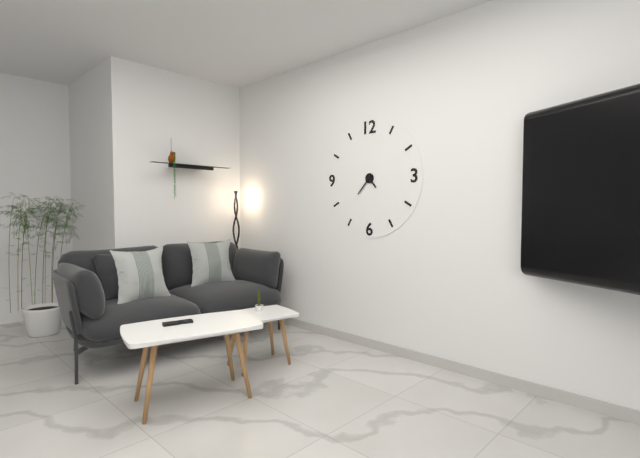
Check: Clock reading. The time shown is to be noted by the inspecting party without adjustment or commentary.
4:37
